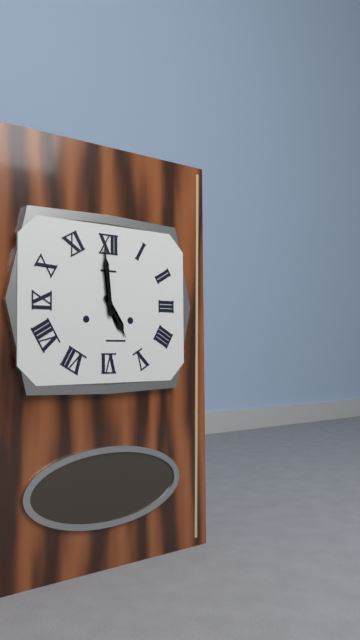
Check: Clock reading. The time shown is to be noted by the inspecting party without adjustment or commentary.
4:59
